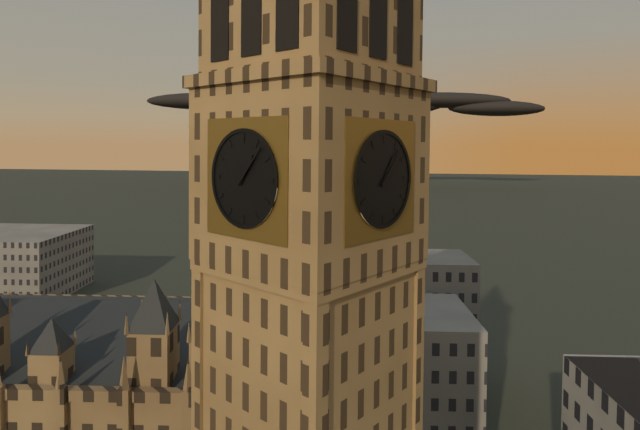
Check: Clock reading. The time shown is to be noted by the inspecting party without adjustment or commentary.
1:07
